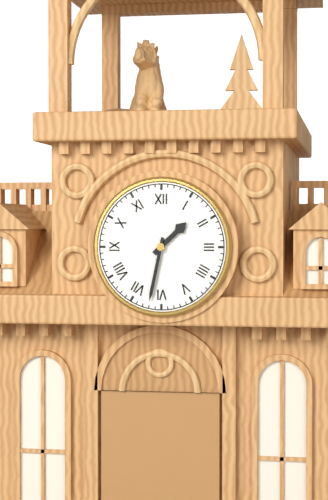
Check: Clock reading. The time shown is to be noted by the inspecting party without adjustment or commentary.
1:32
